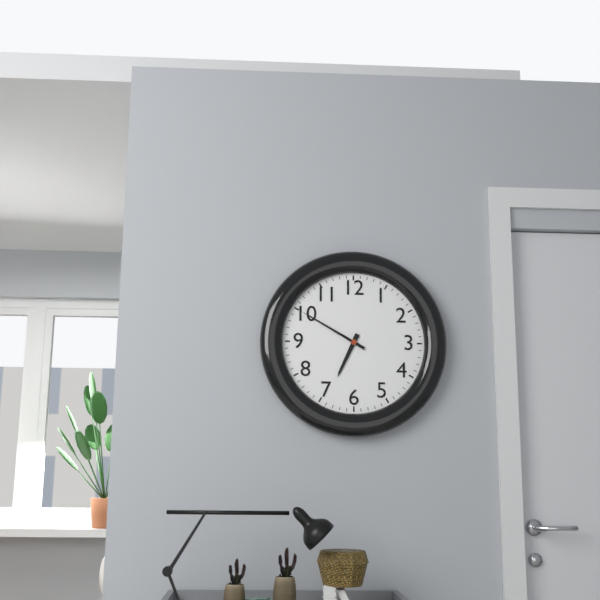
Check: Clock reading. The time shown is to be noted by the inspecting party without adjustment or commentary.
6:50
